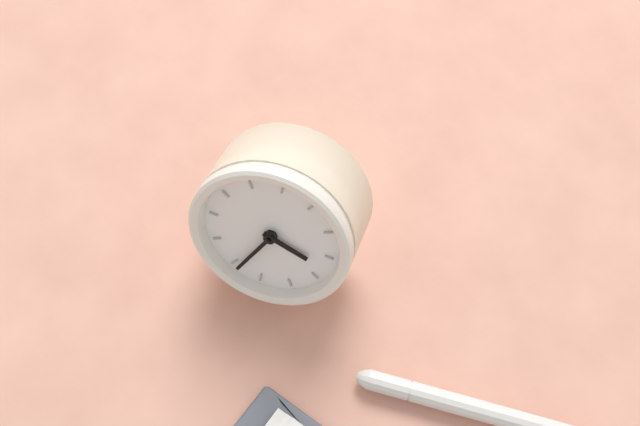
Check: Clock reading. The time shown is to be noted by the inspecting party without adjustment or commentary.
2:29
